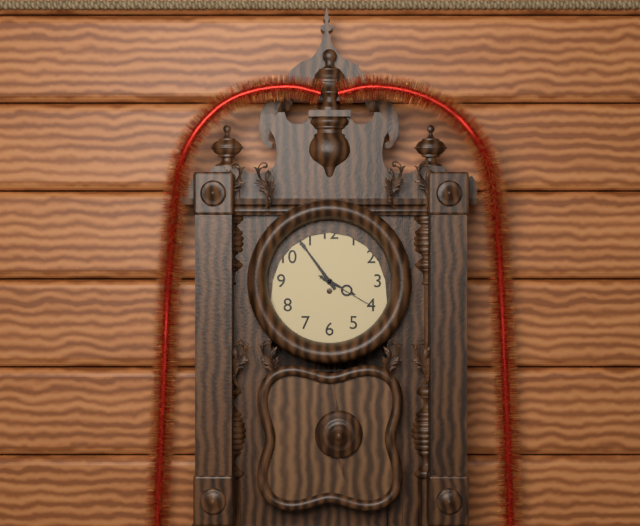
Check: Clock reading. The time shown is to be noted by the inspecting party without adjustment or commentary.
3:54:20
